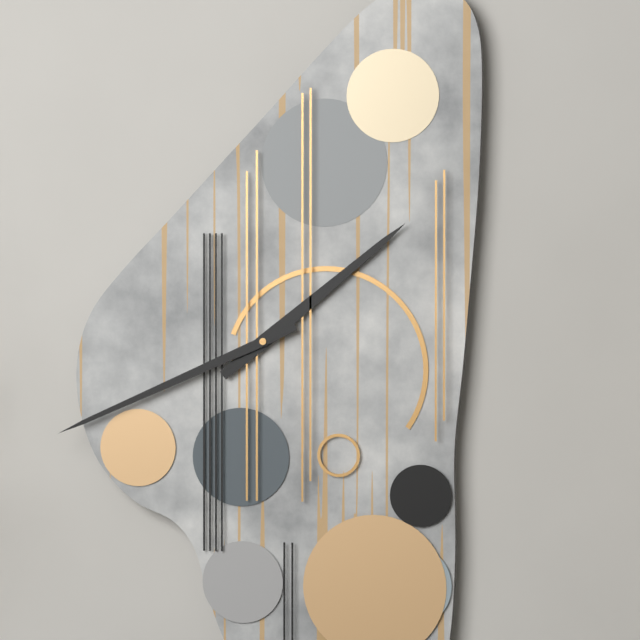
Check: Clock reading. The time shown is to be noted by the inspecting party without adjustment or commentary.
1:41
